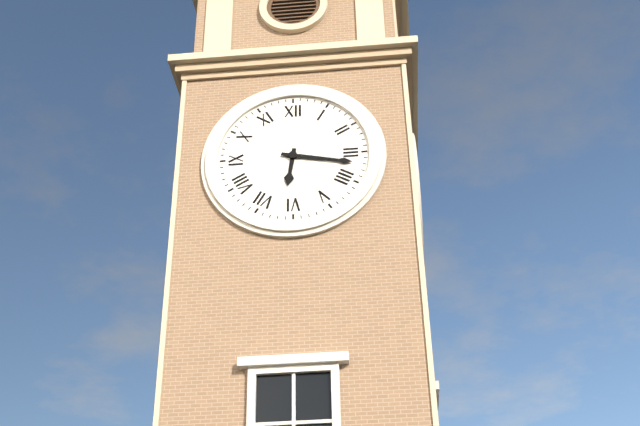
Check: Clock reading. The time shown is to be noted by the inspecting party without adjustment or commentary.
6:17
